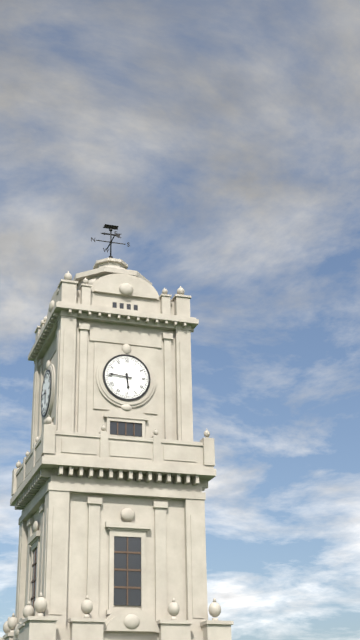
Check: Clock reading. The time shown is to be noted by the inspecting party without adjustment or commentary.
5:46
